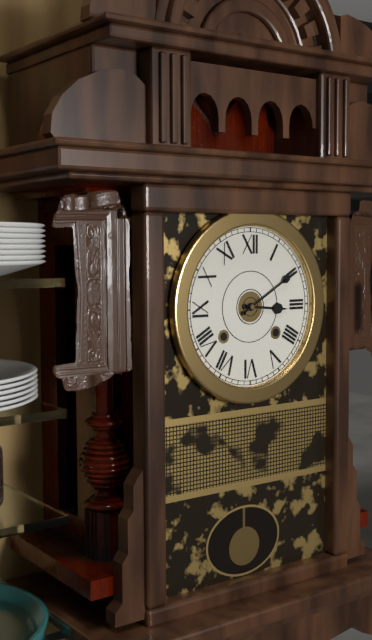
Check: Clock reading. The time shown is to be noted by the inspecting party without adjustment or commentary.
3:10
